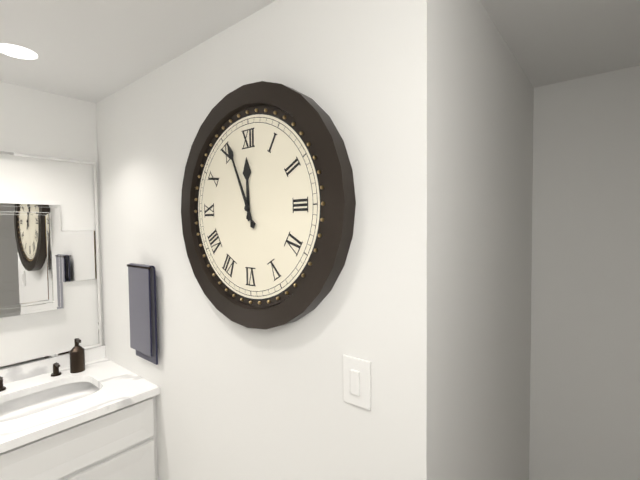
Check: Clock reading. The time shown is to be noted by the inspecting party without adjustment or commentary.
11:56
